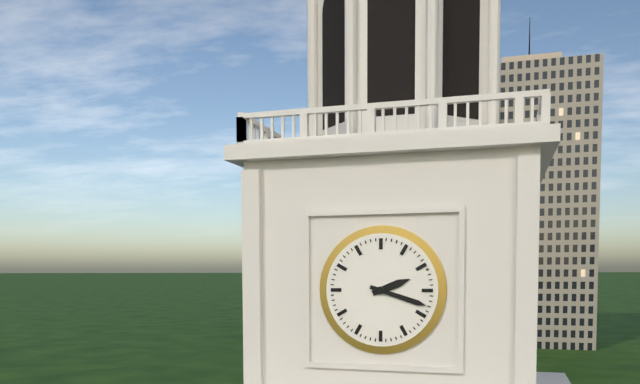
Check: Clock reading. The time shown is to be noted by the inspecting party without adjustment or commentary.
2:18
